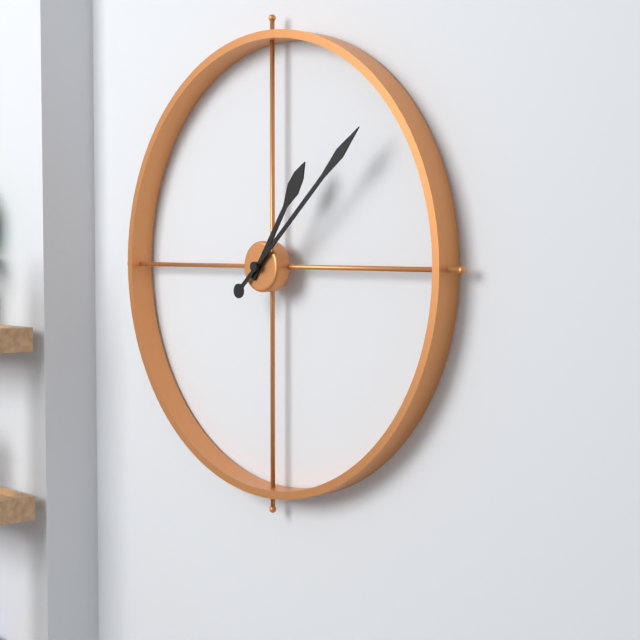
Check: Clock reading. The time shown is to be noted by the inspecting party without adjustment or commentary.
1:08
